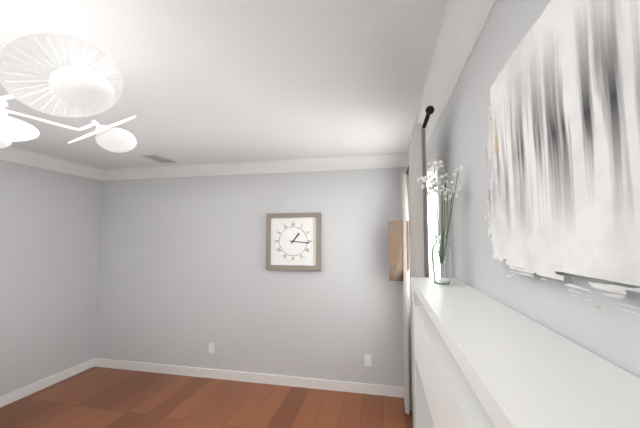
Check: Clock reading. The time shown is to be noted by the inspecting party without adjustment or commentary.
1:16
